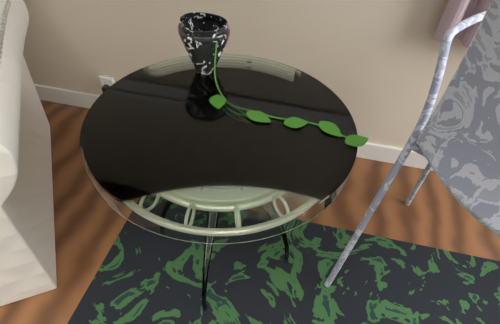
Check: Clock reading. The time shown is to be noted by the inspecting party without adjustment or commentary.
1:37
